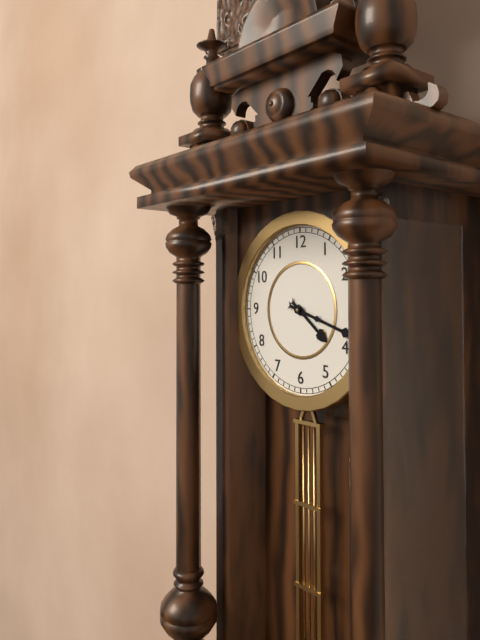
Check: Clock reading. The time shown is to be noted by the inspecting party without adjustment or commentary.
4:18
